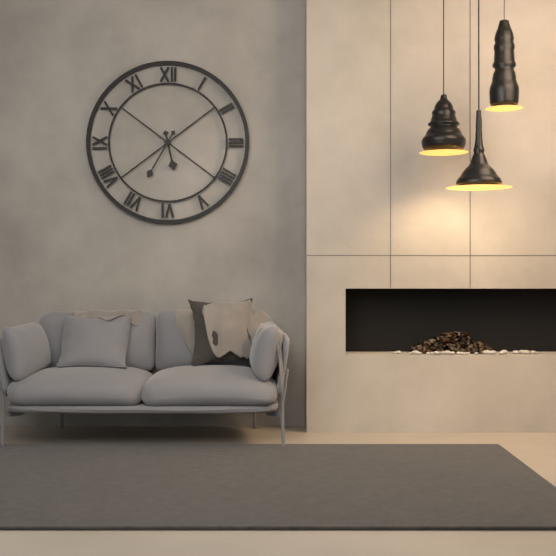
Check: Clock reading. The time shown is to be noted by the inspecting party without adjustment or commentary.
5:35
